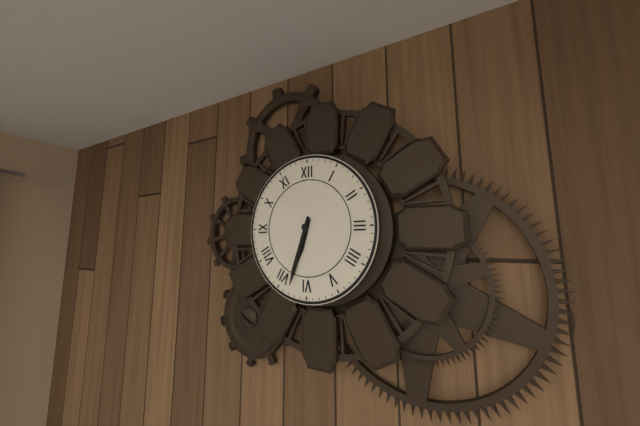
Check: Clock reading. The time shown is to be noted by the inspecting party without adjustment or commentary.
6:33
